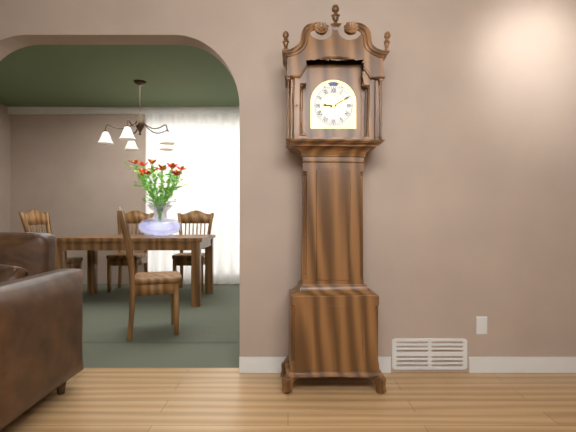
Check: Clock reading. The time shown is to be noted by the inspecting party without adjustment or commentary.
9:10
